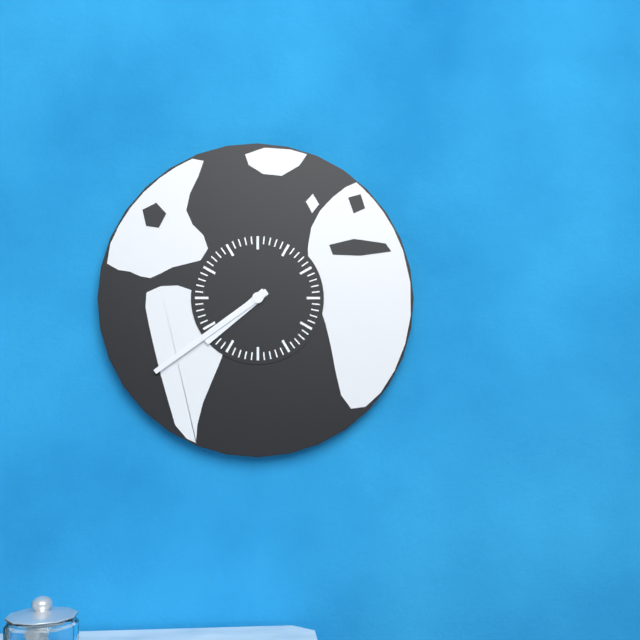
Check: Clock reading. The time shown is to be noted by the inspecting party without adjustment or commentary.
7:39
